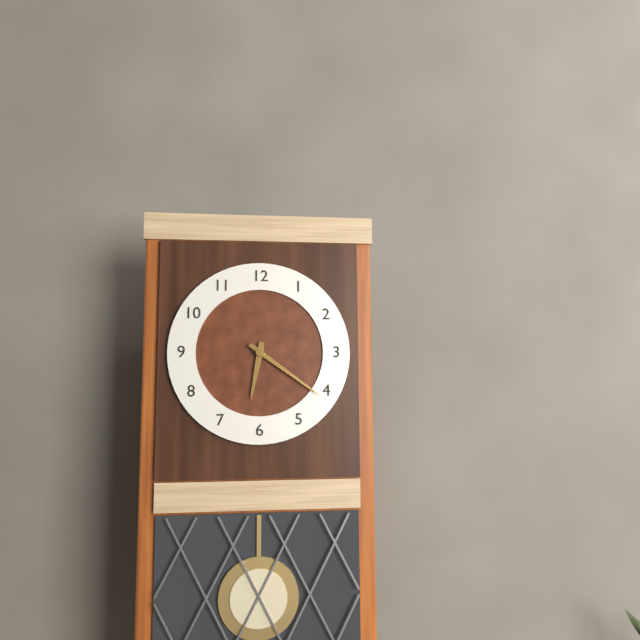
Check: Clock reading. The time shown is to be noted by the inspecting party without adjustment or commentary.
6:21
